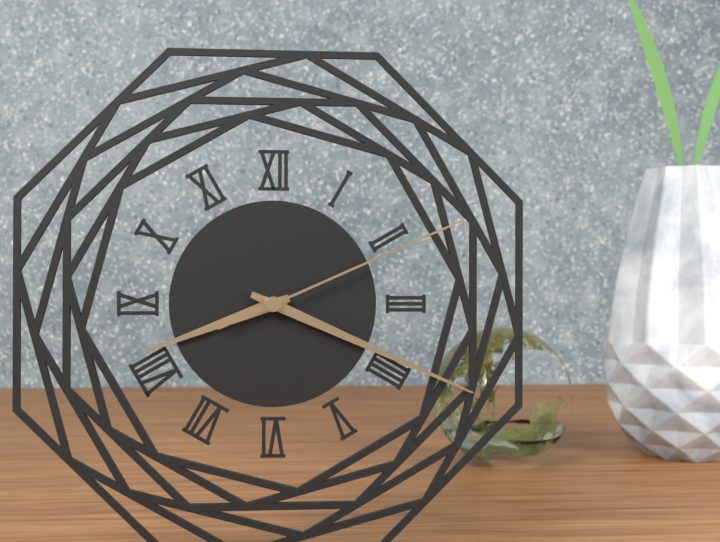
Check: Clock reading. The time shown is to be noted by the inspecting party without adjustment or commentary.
8:19:11
